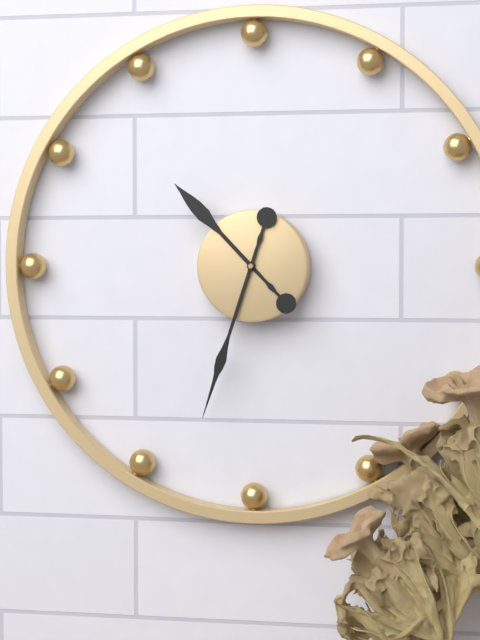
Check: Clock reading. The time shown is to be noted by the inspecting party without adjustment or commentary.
10:33
